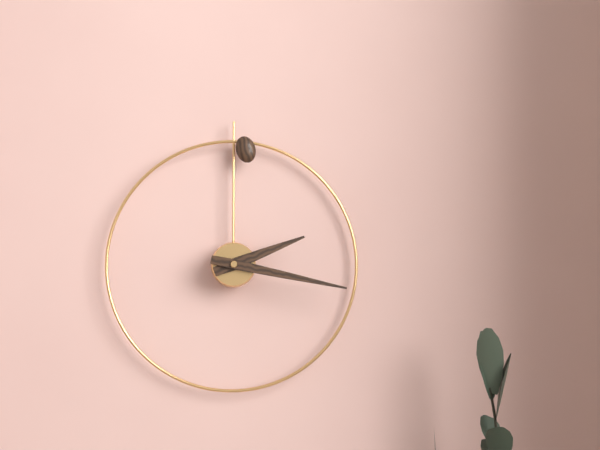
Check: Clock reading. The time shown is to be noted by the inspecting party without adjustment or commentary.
2:17
